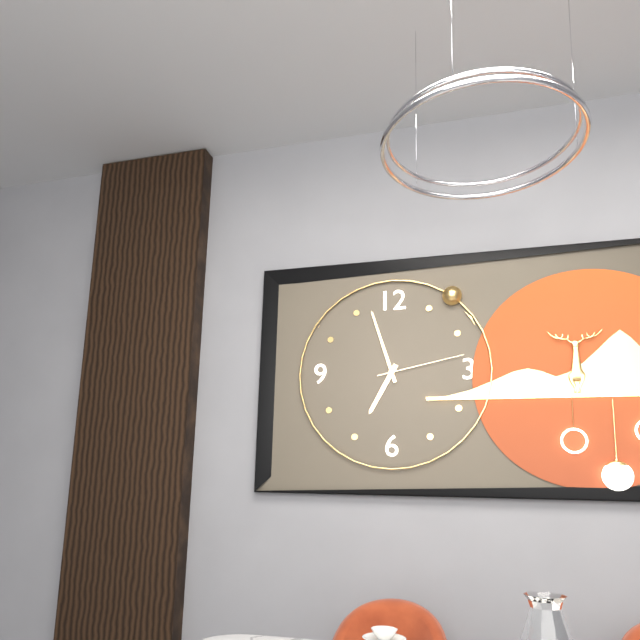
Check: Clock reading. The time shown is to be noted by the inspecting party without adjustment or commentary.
6:57:13
